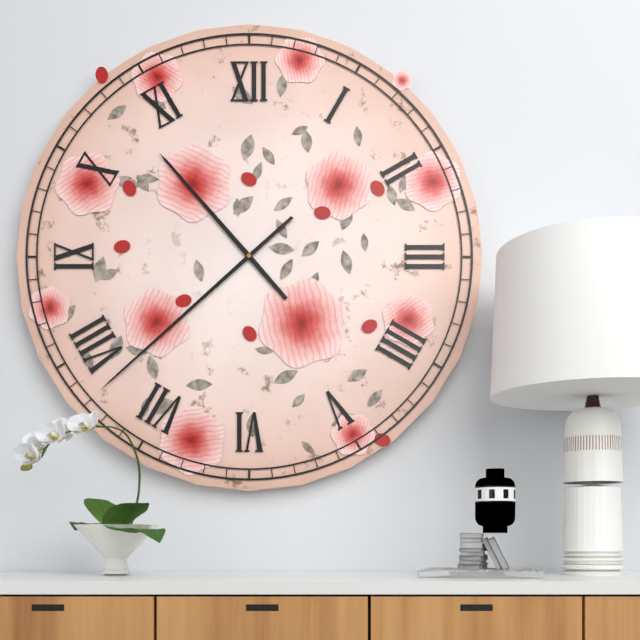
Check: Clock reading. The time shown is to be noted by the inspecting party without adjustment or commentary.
10:38
